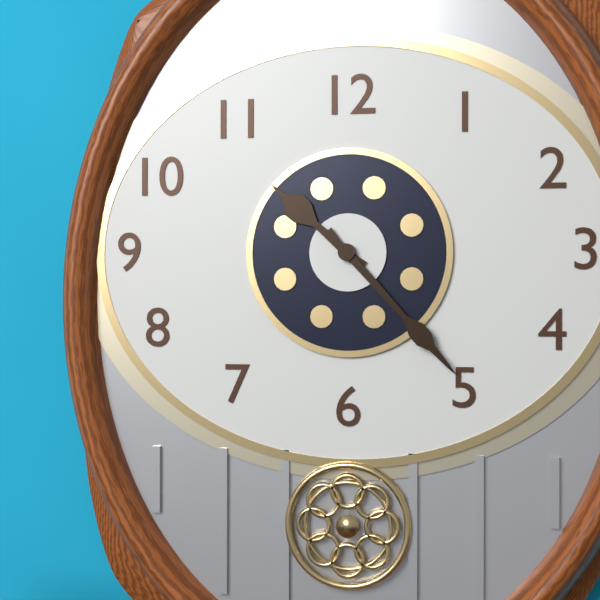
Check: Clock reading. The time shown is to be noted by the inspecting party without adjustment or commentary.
10:23
